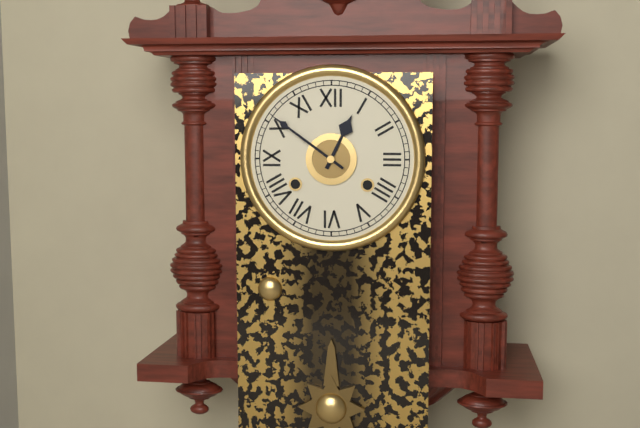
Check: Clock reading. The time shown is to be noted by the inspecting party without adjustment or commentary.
12:51
